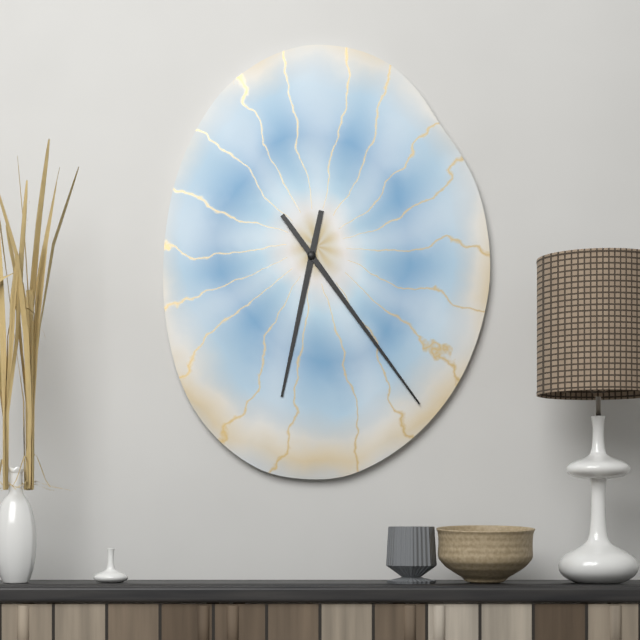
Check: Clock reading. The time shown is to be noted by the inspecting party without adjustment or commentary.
6:24
